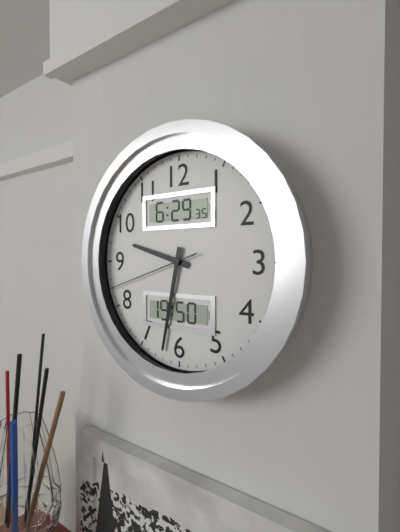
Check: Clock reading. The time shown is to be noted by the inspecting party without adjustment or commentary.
9:32:42
